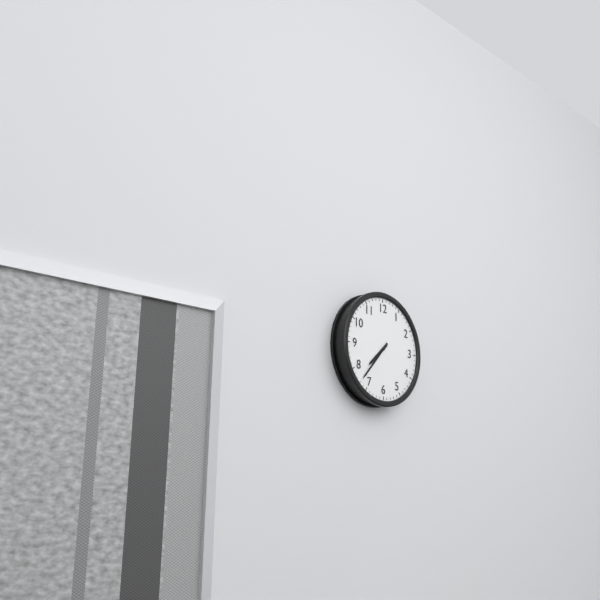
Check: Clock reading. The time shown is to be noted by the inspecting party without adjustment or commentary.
7:37
